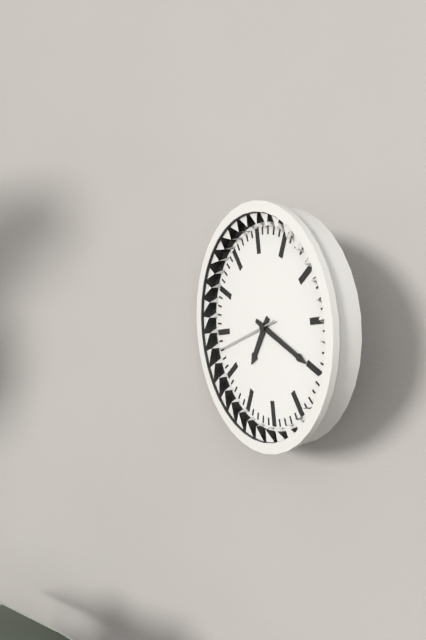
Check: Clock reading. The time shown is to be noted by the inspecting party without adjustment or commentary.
7:20:43
